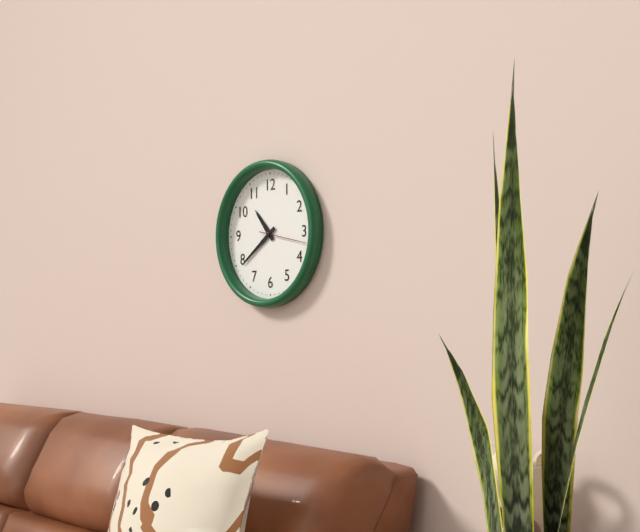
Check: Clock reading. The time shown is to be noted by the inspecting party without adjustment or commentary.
10:39
